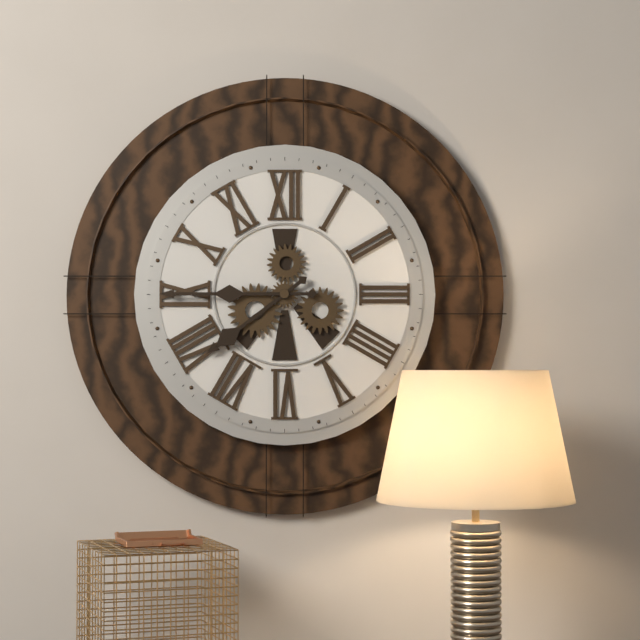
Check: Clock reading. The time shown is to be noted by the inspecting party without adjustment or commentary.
7:45
